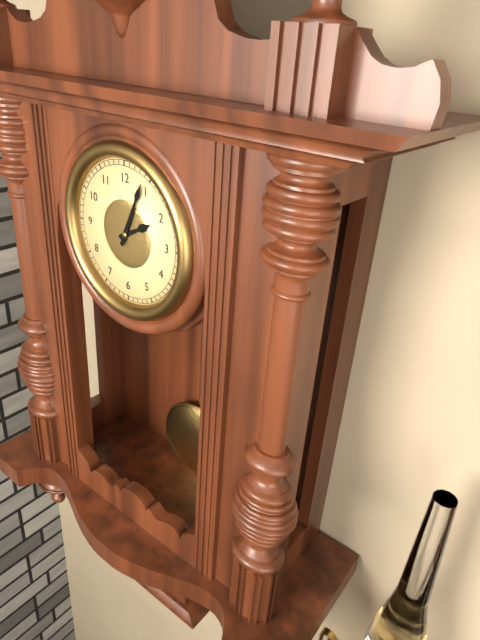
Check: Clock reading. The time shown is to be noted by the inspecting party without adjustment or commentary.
2:04
